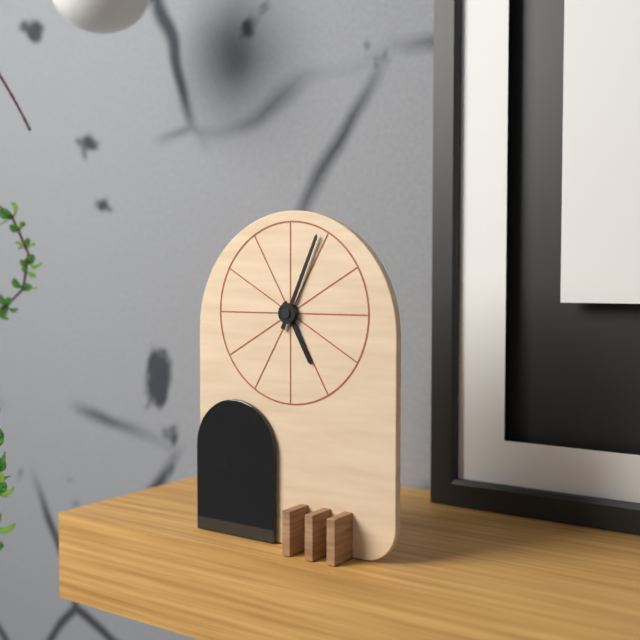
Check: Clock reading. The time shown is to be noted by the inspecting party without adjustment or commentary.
5:04
